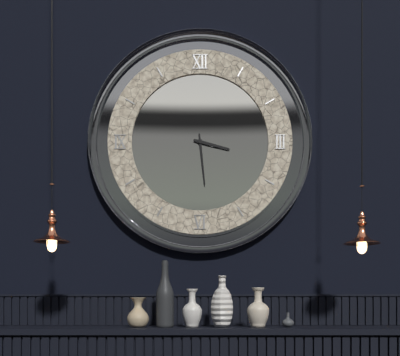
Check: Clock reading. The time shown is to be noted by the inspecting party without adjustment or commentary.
3:29
